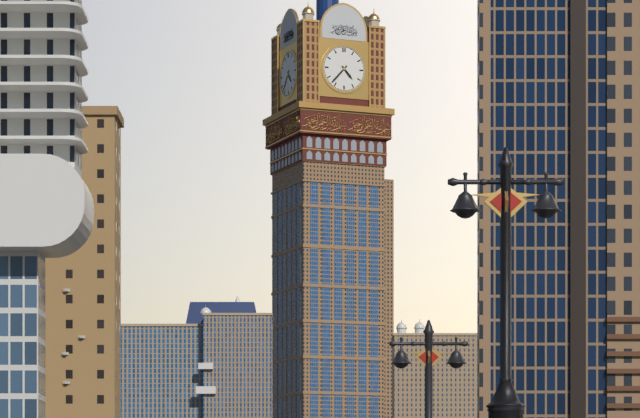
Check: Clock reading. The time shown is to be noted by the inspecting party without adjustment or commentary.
4:37
